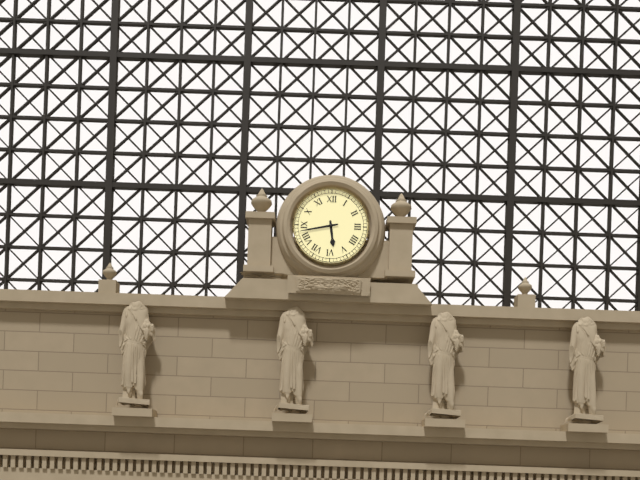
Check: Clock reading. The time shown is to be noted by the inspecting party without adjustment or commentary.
5:43
